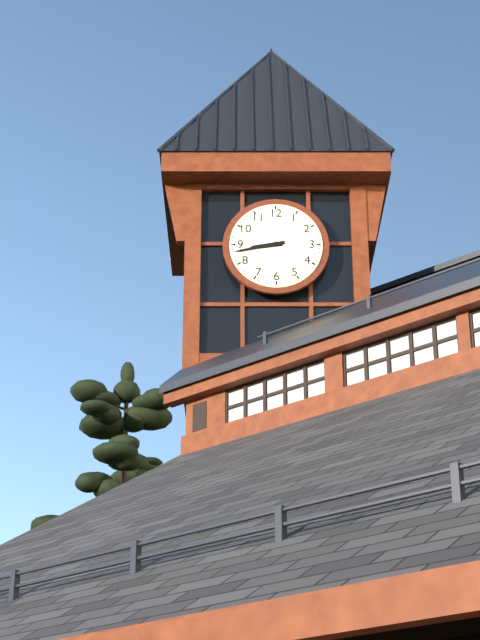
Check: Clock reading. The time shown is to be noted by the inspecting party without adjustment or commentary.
8:43
